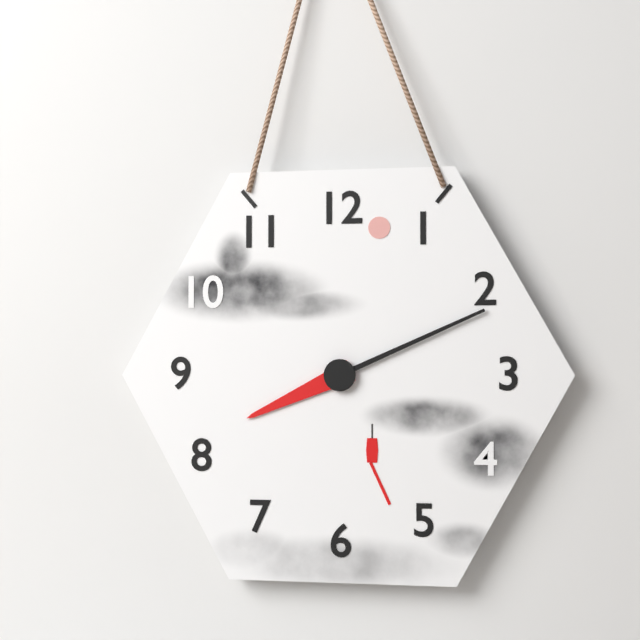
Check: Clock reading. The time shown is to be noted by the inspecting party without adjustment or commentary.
8:11
